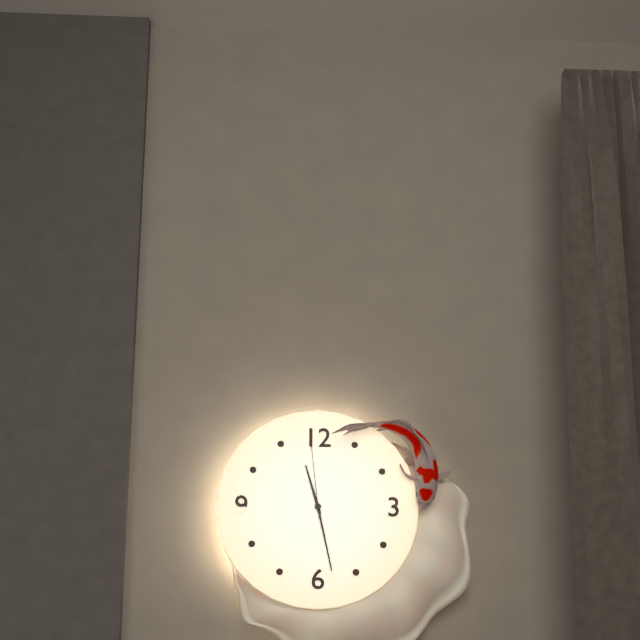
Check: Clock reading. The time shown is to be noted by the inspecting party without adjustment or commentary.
11:28:59
